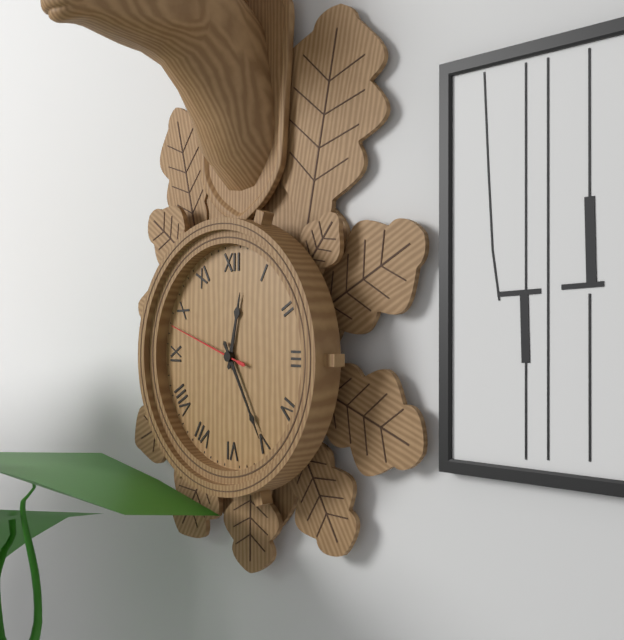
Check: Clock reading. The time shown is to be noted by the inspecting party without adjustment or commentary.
12:25:48
